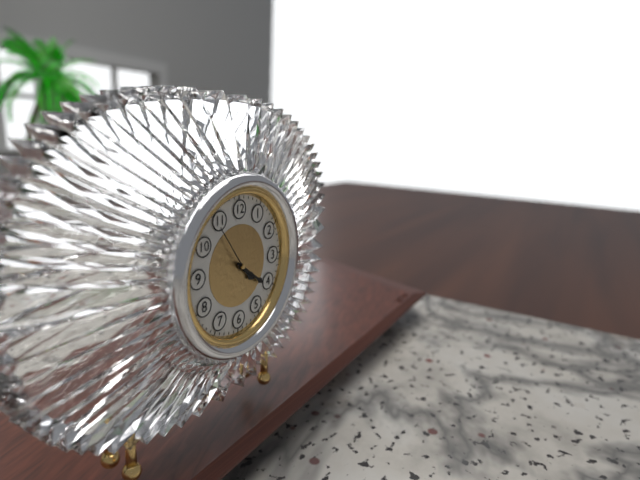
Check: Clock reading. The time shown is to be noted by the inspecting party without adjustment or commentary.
4:21:54
